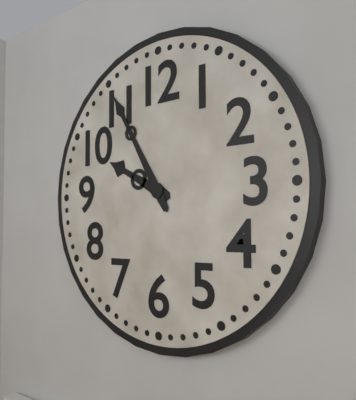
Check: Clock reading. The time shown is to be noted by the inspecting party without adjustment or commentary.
9:55
